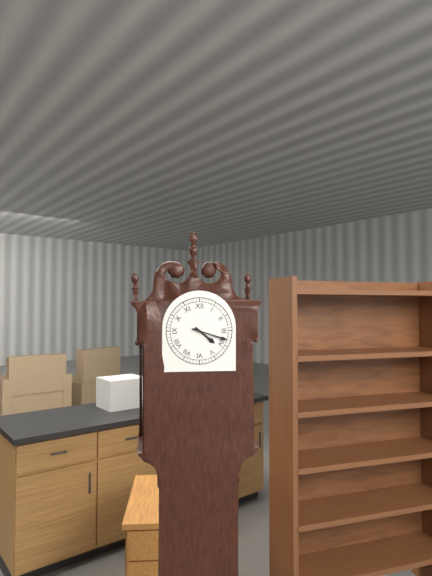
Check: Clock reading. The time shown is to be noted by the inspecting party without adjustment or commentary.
4:18
